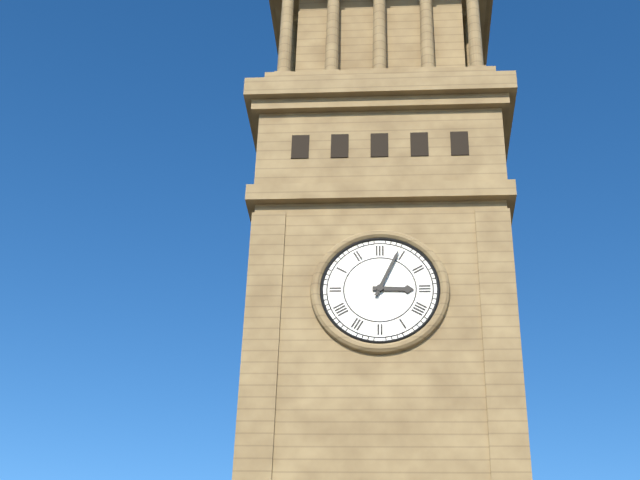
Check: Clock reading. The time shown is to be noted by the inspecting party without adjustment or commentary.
3:04
